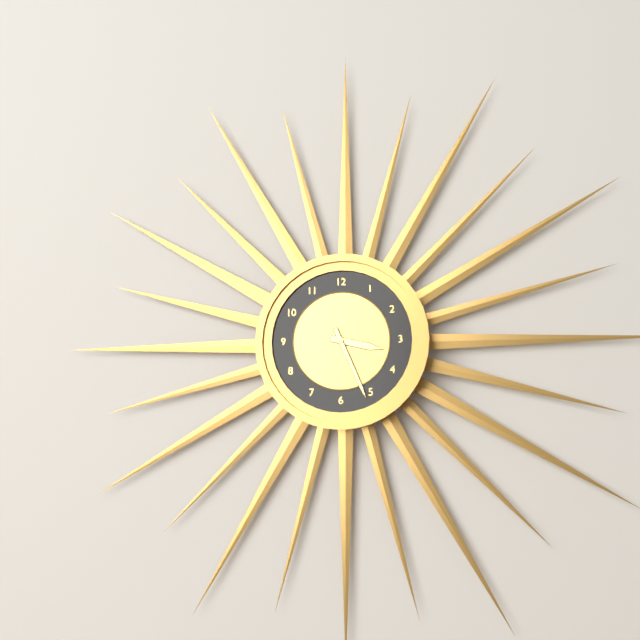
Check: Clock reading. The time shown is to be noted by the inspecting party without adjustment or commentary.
3:26
